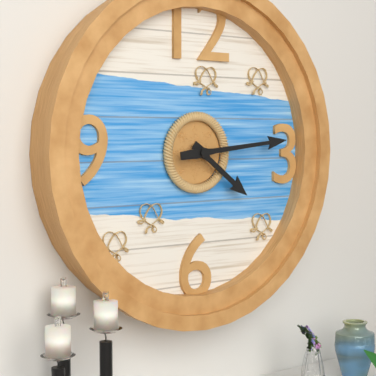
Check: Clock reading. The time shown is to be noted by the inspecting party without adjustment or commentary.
4:14
